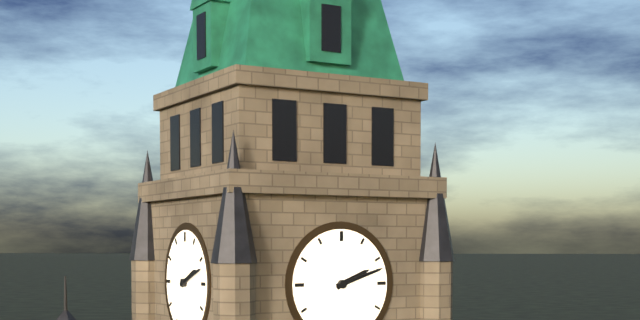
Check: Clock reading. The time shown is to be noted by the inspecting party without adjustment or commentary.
2:12
